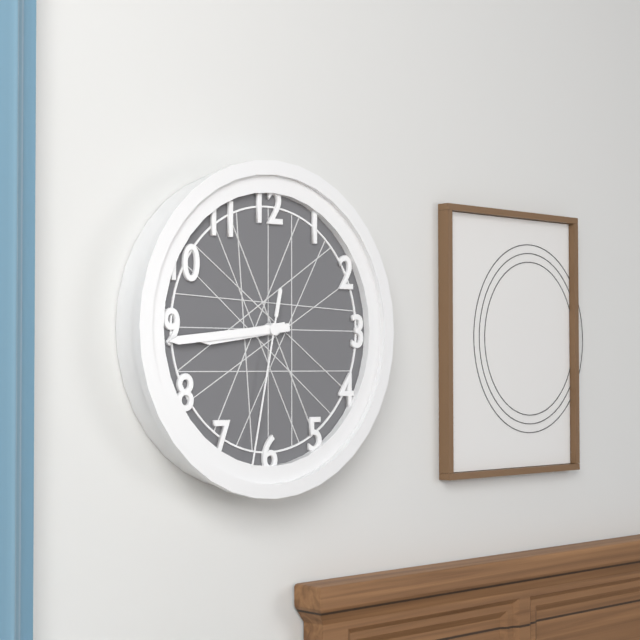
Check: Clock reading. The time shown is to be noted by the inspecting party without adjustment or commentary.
8:44:32
